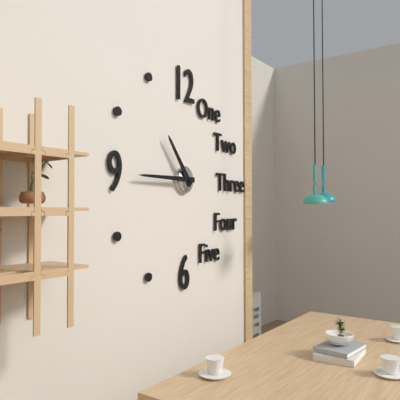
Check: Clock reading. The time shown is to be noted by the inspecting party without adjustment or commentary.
10:45
